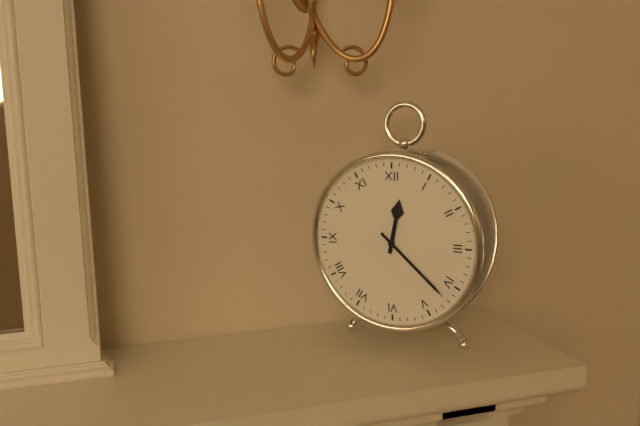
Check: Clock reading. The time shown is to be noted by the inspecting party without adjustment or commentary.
12:22
